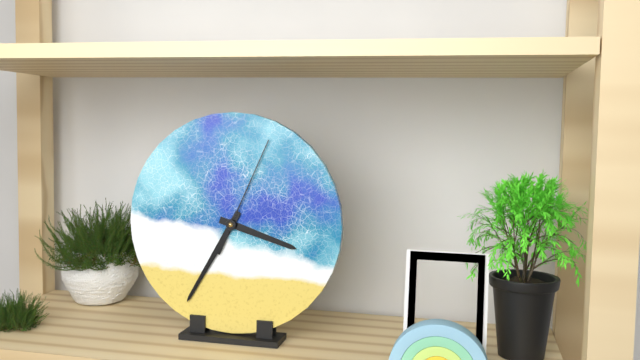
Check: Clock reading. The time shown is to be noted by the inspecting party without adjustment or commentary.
3:35:04
